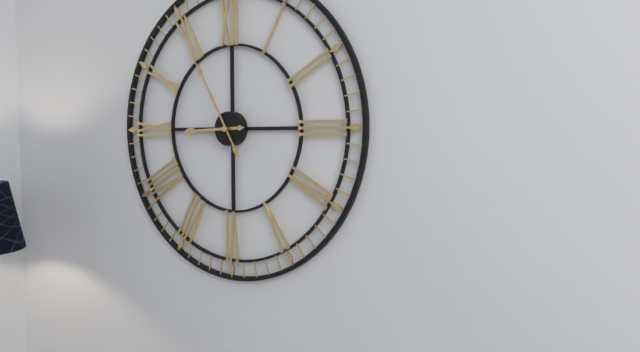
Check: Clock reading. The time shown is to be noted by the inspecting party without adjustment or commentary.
8:55
